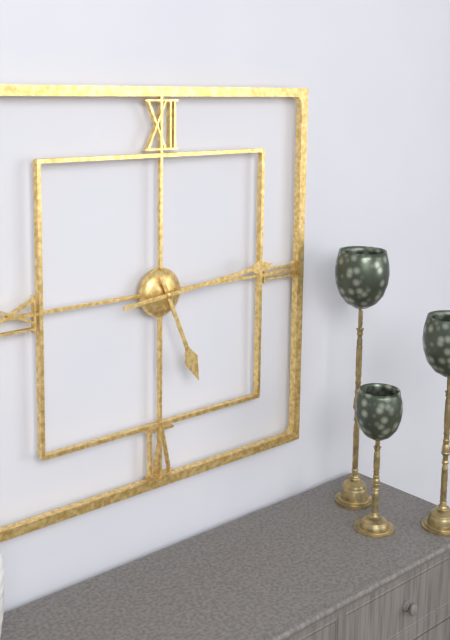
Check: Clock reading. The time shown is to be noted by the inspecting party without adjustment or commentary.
5:14
